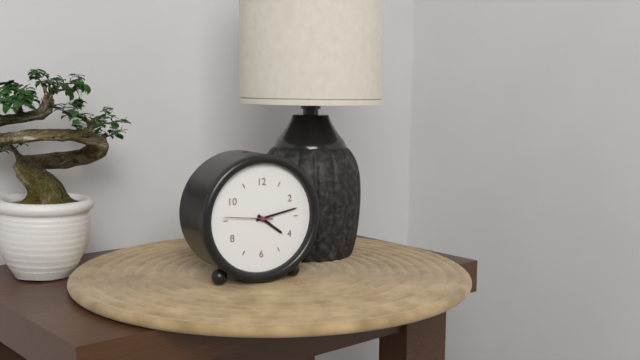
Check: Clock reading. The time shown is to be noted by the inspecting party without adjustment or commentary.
4:13
